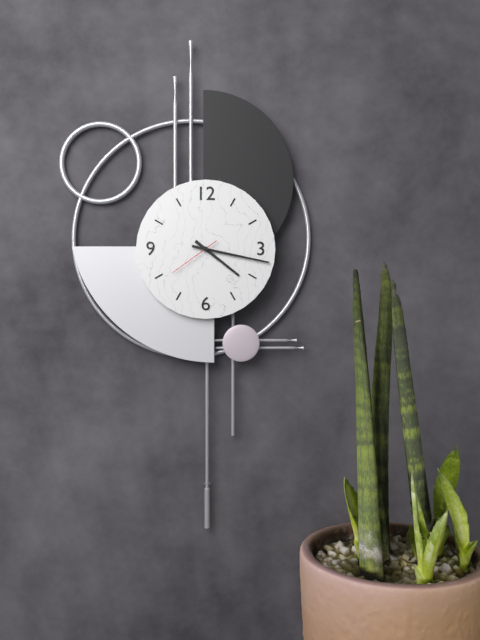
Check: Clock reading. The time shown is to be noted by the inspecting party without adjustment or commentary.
4:17:39
